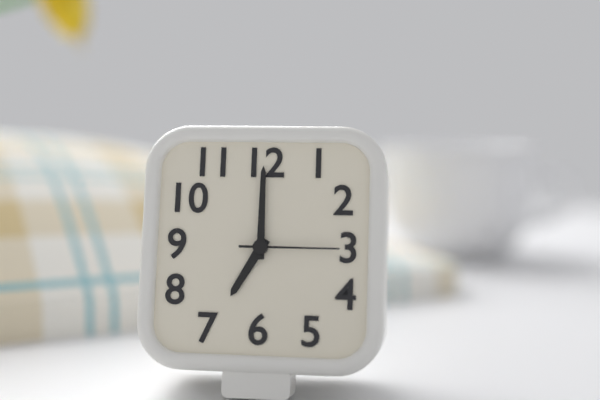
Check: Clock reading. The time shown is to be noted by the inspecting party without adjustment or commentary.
7:00:15
